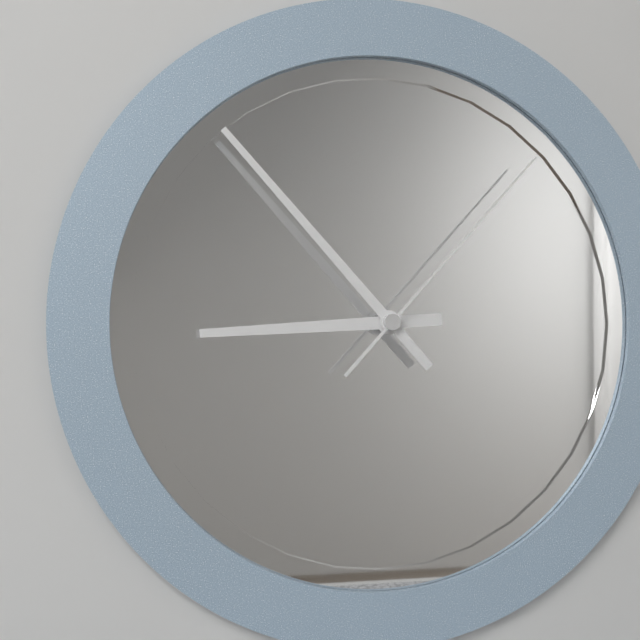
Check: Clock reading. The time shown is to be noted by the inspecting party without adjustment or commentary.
8:53:07
